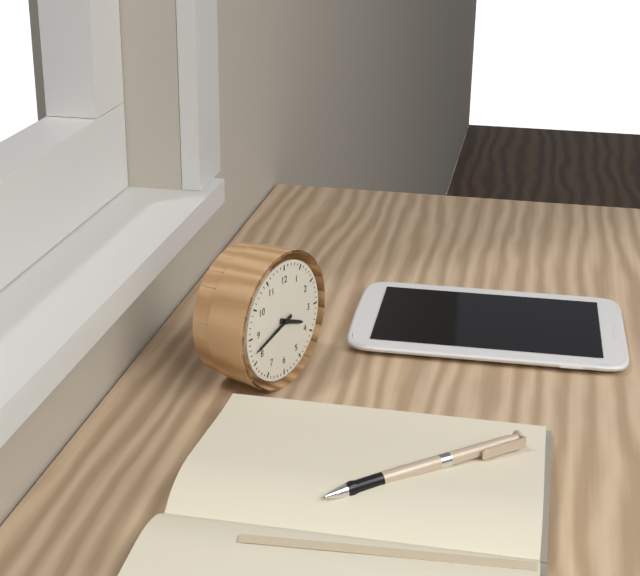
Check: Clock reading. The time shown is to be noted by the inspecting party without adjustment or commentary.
3:42
